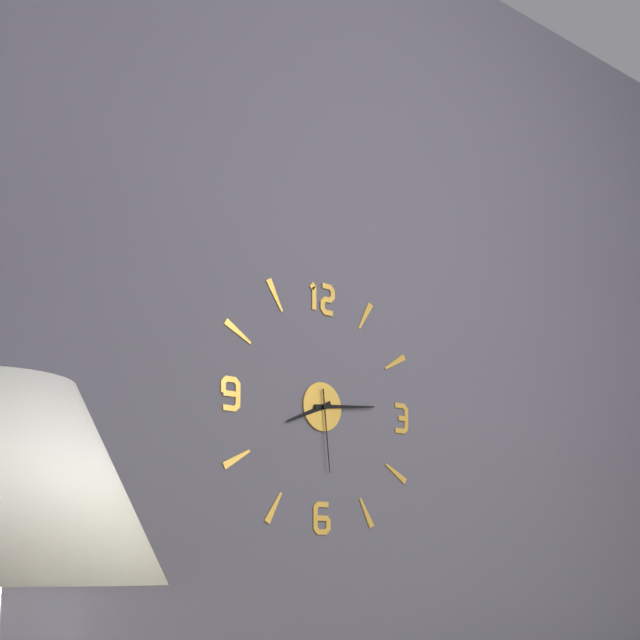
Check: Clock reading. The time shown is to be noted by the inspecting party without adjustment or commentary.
8:14:29
